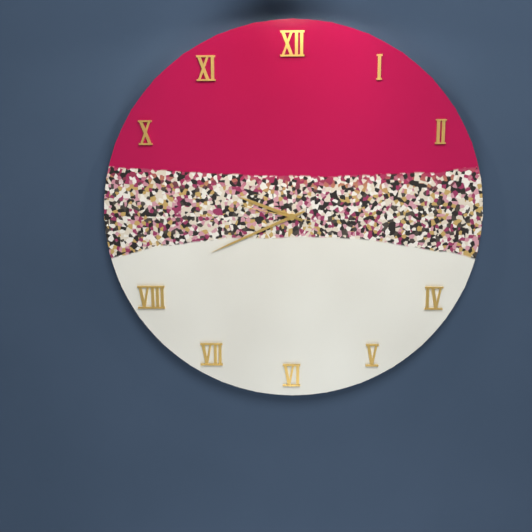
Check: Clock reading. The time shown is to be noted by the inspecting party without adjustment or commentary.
9:41:47
